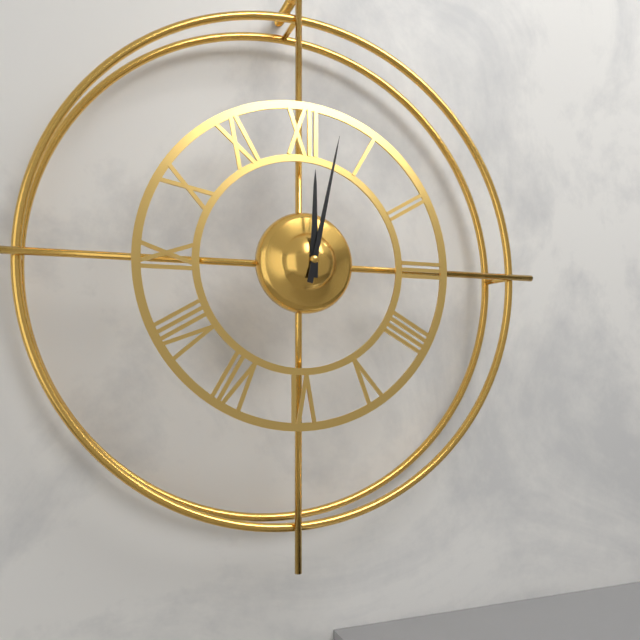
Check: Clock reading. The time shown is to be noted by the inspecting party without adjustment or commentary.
12:02
